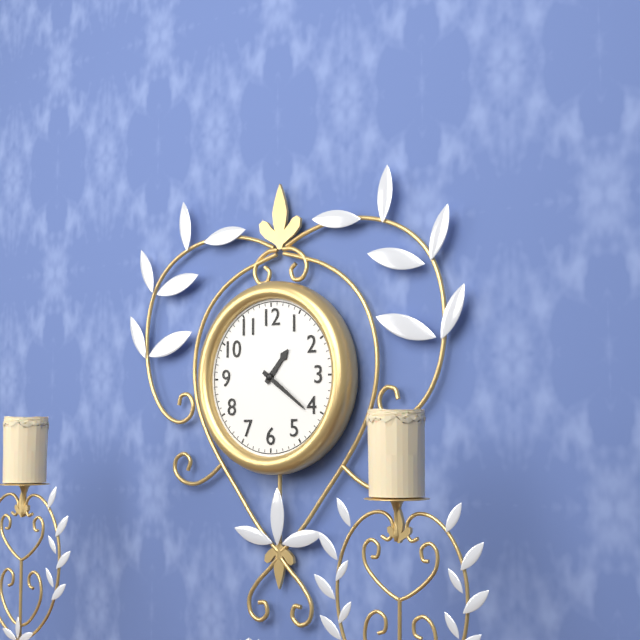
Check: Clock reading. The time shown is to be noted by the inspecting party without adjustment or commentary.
1:21
